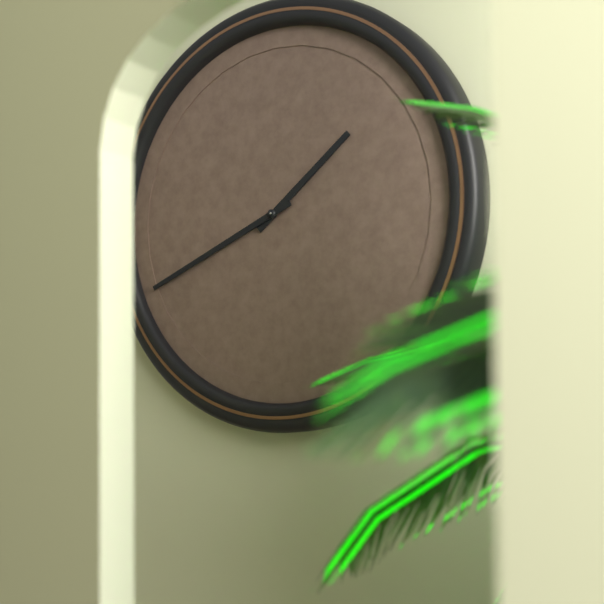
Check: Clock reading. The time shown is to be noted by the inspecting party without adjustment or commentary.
1:41
